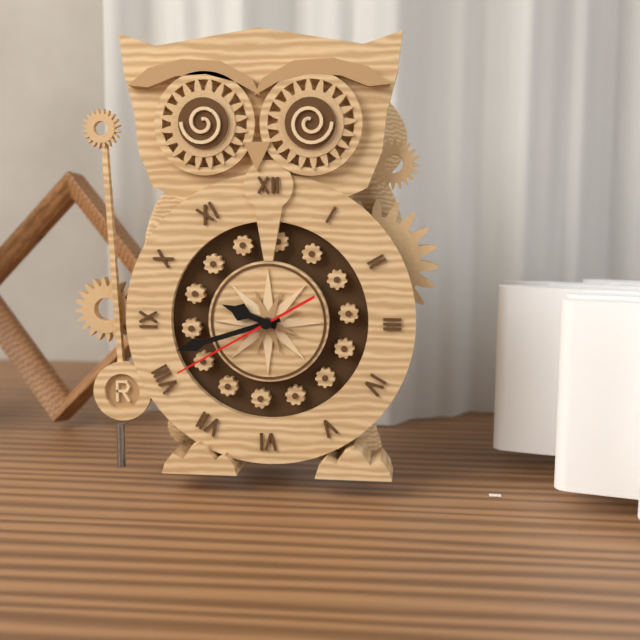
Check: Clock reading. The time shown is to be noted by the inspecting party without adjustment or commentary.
9:42:40
